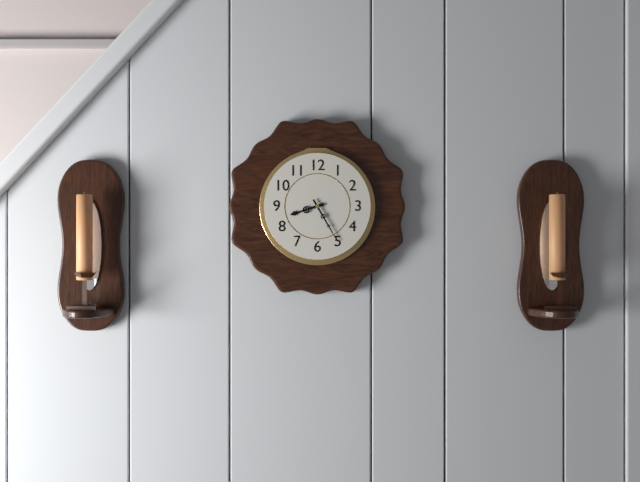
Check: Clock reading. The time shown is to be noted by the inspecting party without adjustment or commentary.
8:25
